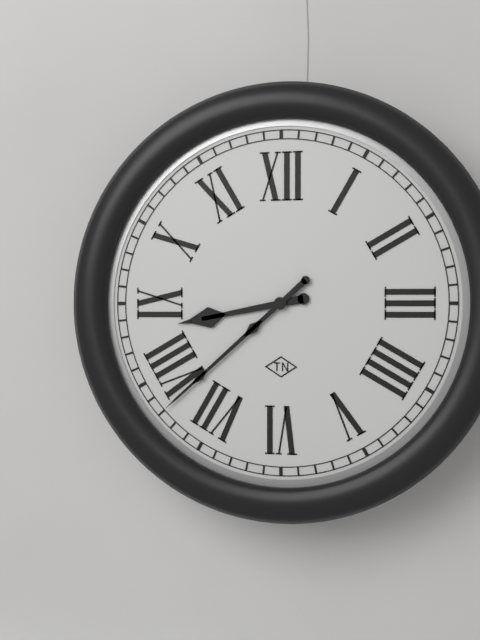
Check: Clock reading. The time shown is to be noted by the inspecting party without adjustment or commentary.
8:38
